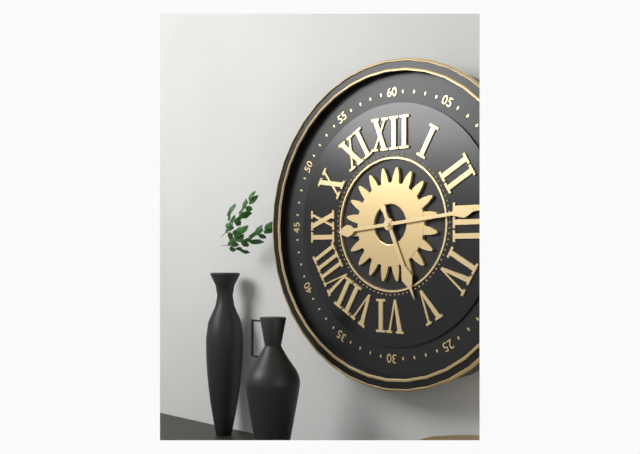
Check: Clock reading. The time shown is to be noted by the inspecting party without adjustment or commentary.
5:14
